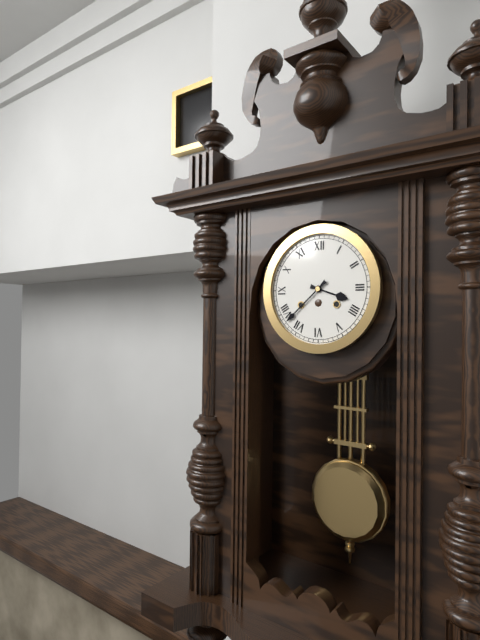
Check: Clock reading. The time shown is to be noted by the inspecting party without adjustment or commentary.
3:38
